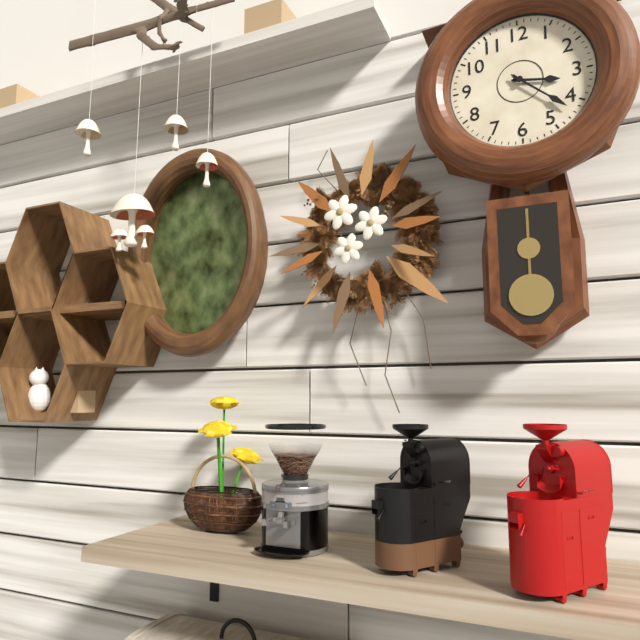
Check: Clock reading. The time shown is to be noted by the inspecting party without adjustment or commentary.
3:22
